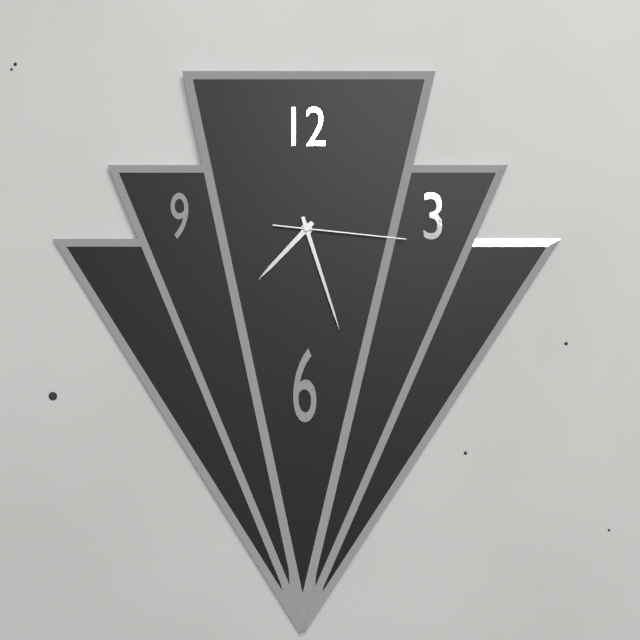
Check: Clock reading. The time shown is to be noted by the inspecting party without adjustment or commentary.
7:27:16
